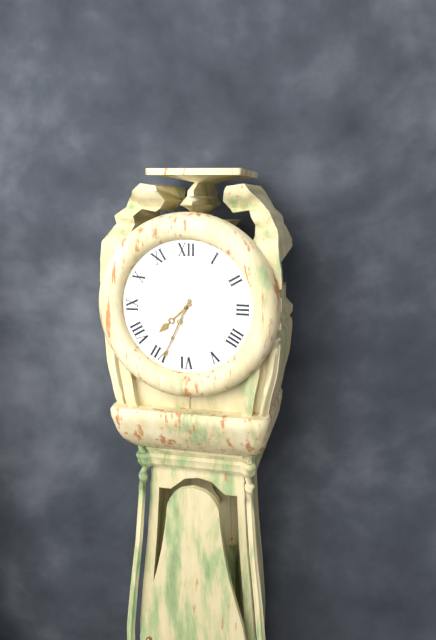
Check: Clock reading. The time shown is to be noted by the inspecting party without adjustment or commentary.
7:34
